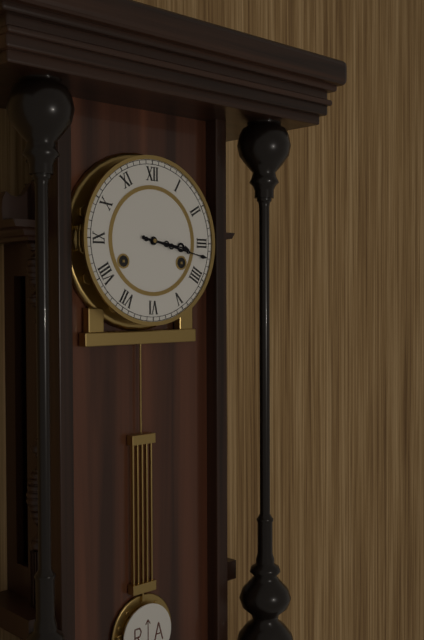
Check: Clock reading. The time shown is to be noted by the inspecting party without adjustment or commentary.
3:17
